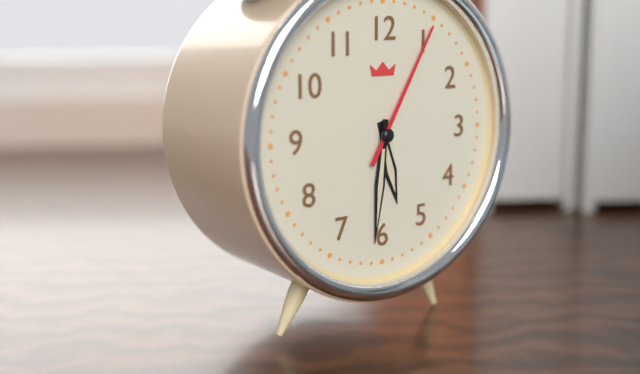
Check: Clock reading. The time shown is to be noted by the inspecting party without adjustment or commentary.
5:31:05
